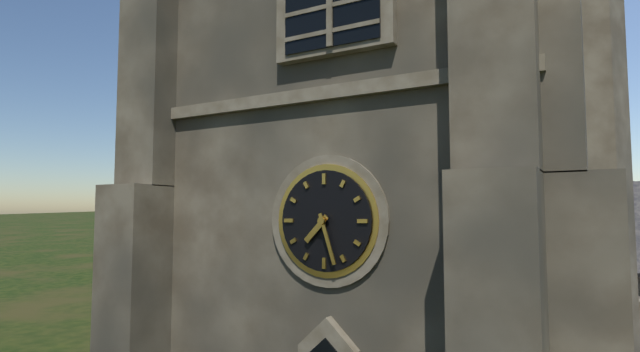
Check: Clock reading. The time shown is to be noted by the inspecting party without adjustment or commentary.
7:27
